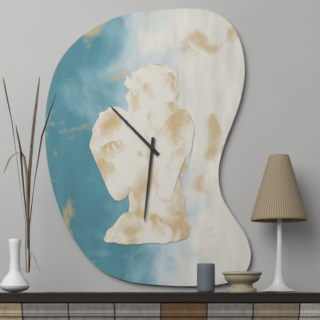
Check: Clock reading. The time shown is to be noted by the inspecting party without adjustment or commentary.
10:31
